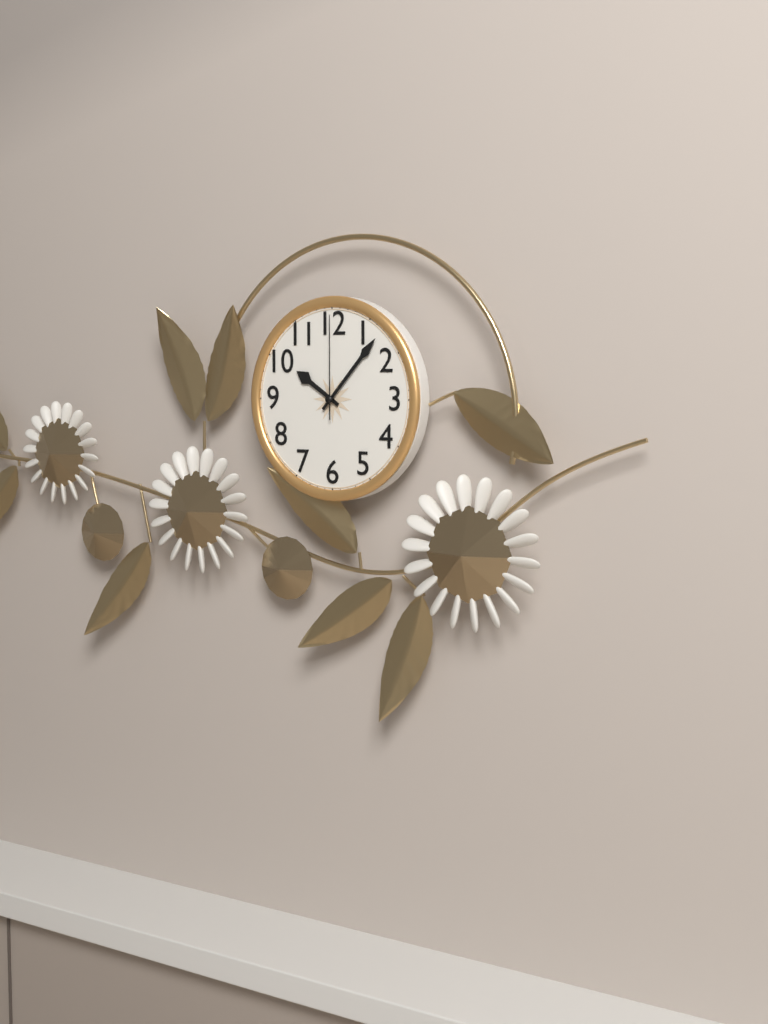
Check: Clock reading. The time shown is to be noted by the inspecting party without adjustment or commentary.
10:07:00
